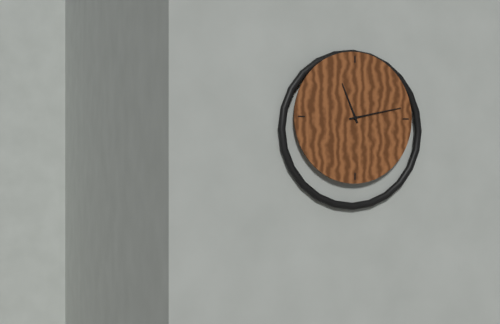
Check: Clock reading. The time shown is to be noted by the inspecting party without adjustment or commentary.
11:13
